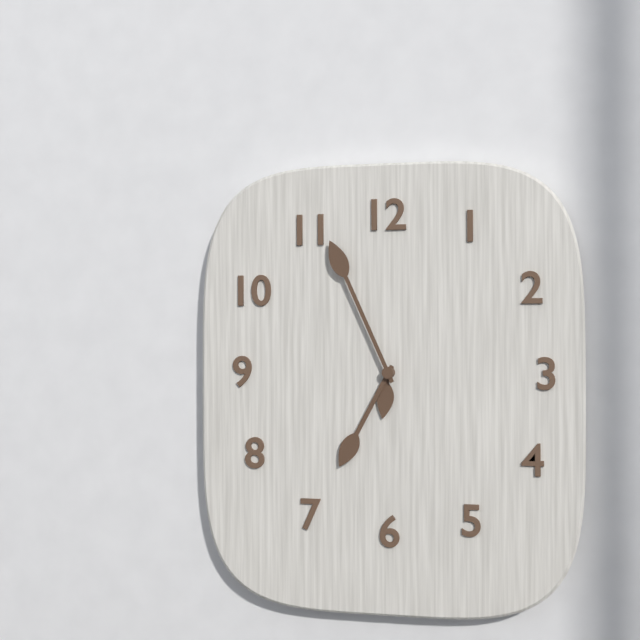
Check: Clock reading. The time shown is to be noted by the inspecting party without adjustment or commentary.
6:56
